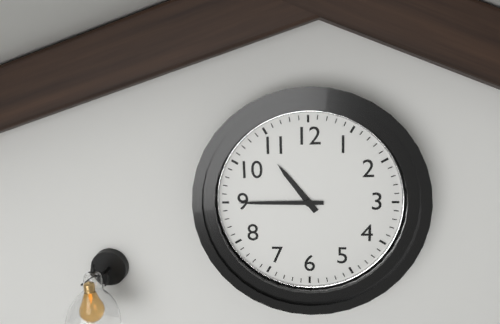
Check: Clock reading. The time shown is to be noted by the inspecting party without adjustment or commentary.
10:45
